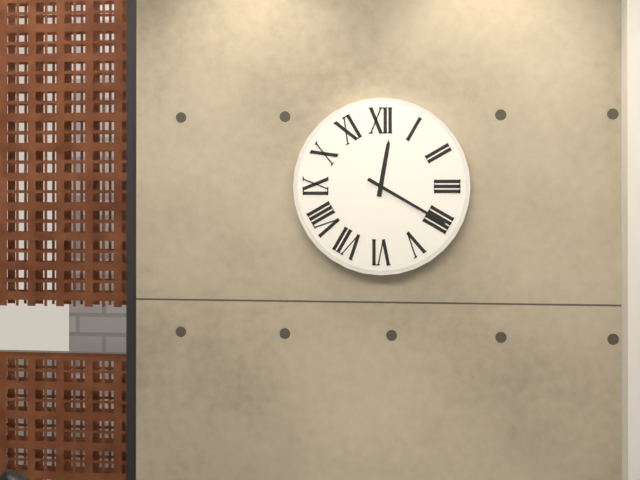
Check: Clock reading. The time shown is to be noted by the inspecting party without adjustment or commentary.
12:20
